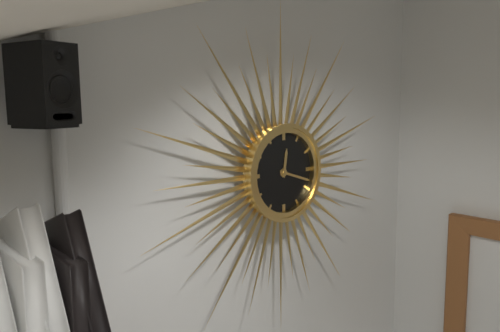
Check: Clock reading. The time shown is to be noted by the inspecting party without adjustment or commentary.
12:18
